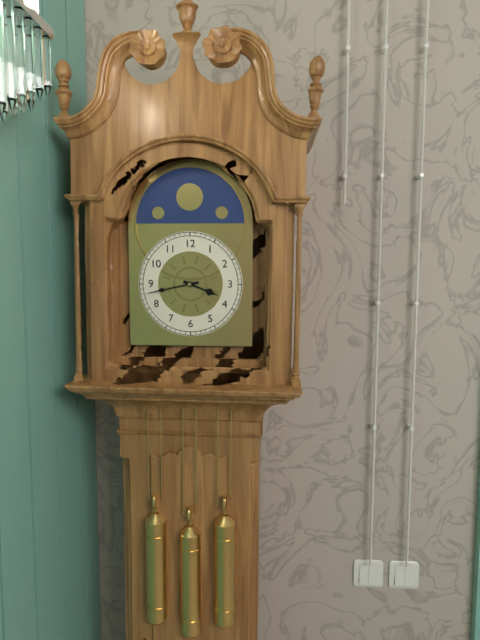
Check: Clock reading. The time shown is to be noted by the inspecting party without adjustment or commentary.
3:43
